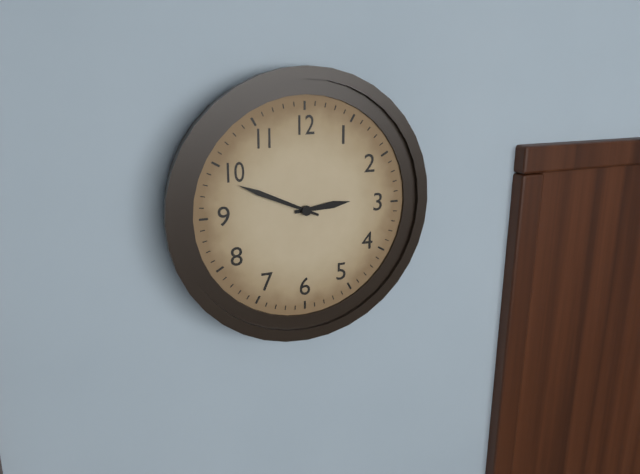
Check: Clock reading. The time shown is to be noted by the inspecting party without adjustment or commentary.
2:49
